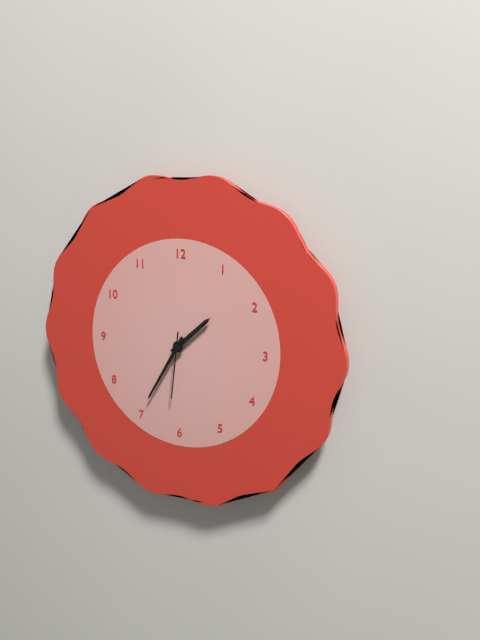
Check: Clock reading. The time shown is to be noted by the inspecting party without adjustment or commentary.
1:35:31
